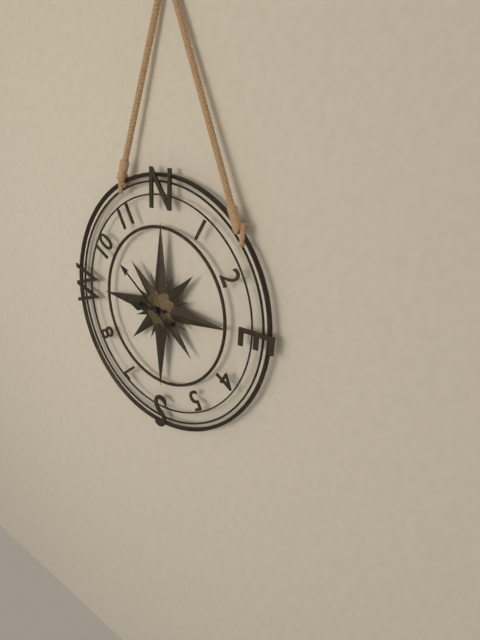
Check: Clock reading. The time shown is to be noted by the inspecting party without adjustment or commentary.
8:51
